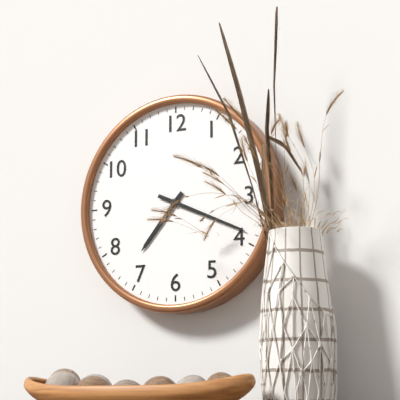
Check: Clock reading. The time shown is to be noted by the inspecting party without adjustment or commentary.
7:19
